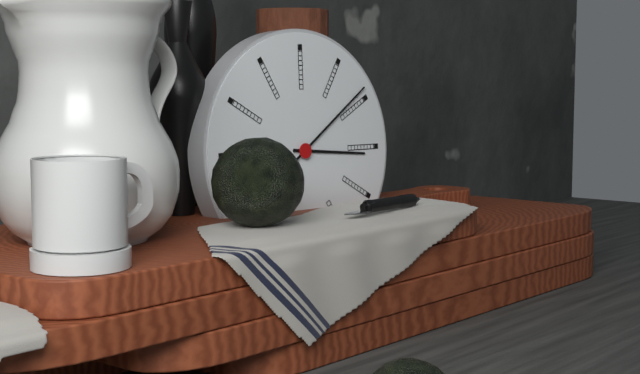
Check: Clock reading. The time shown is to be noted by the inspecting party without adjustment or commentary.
3:09
